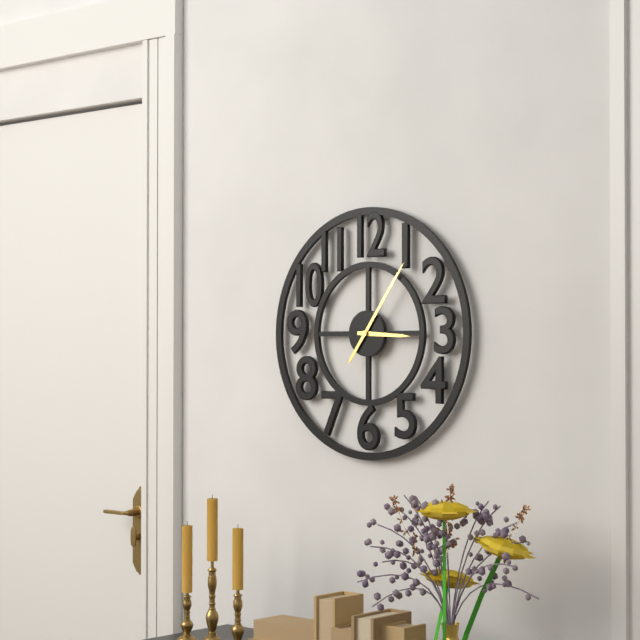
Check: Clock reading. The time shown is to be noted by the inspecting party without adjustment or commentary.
3:06
